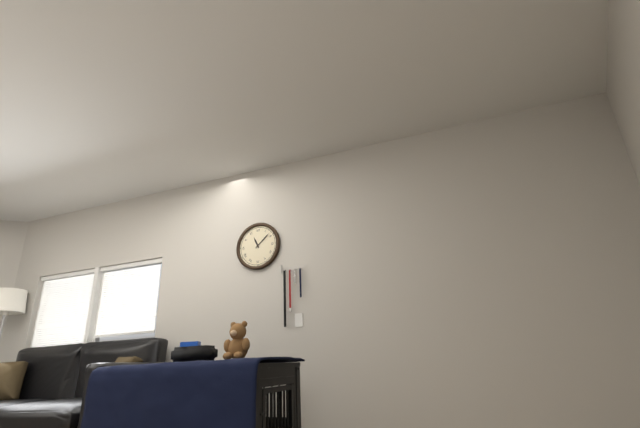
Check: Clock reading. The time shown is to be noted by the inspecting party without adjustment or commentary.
11:08
